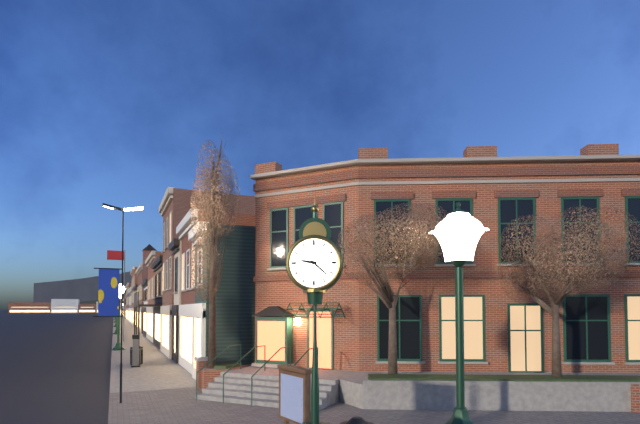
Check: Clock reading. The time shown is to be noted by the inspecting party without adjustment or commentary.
9:22
